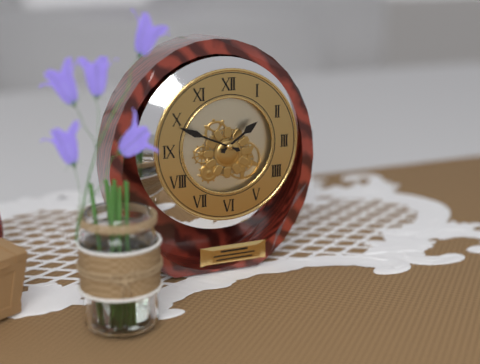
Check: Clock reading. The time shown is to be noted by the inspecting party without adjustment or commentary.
1:49
